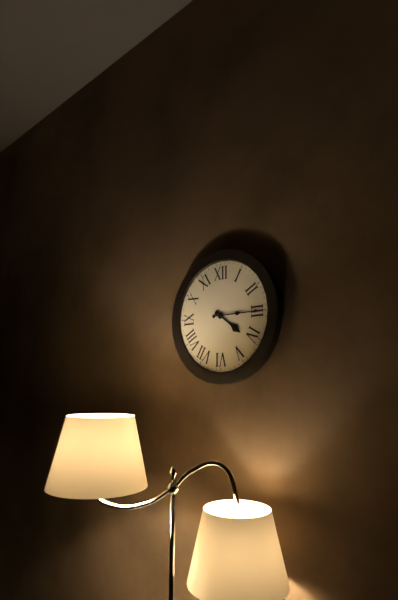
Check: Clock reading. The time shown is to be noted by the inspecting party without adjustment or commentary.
4:15
